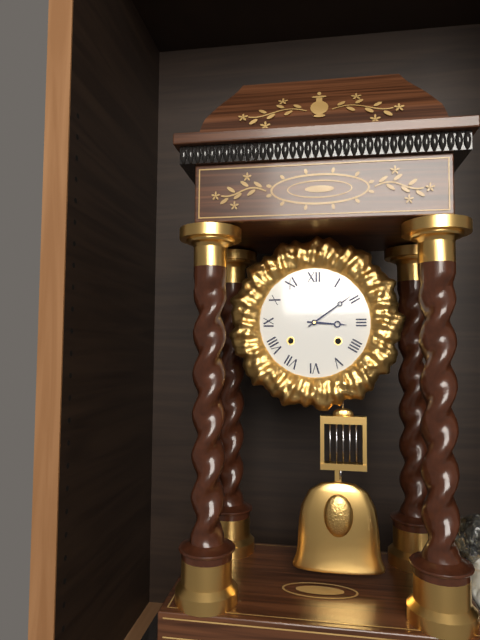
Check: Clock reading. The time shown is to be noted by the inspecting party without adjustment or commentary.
3:09
